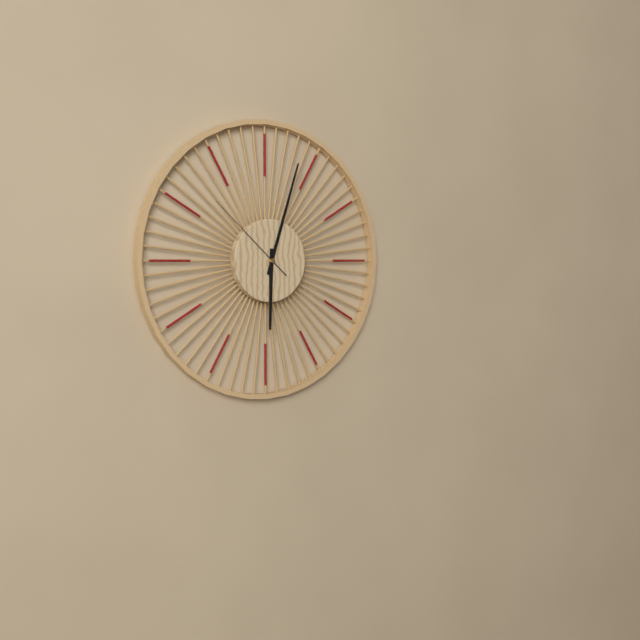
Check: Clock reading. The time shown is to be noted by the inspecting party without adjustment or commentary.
6:03:52
